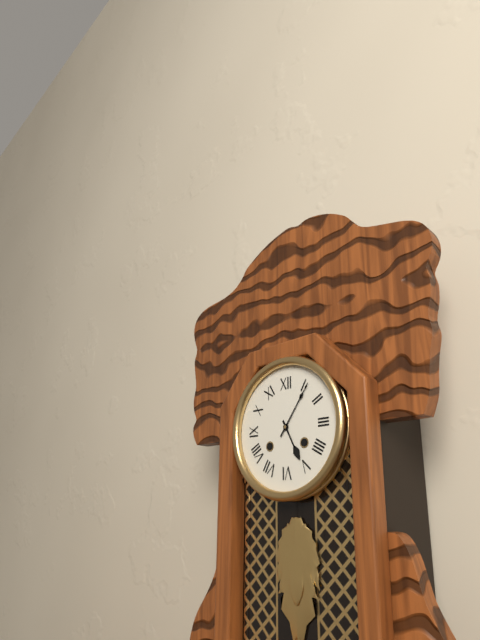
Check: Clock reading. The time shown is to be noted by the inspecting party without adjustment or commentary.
5:06
